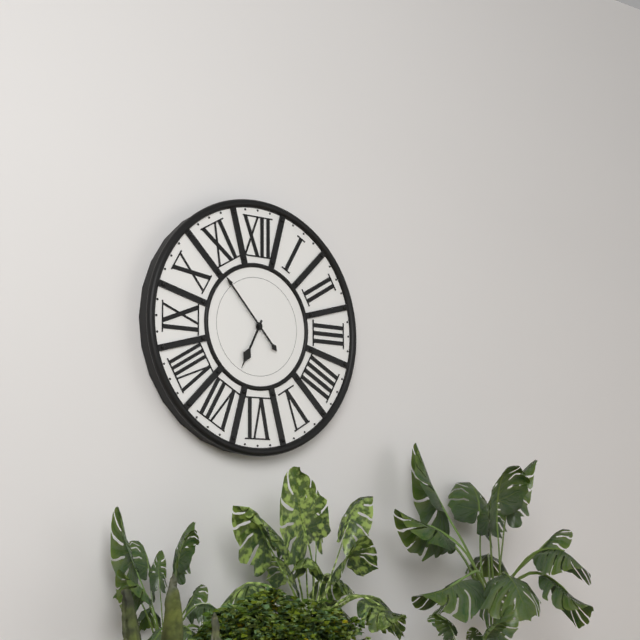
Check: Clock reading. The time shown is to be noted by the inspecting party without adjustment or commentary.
6:53
